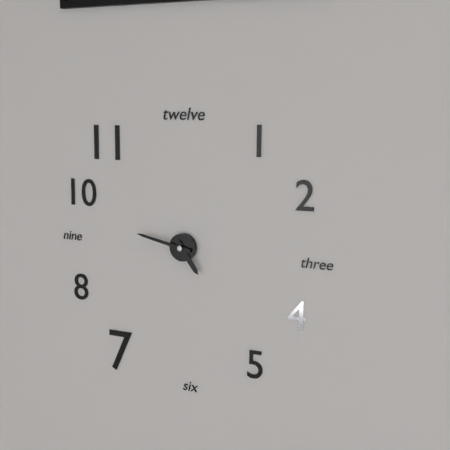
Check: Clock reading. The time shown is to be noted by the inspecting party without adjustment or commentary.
4:47
